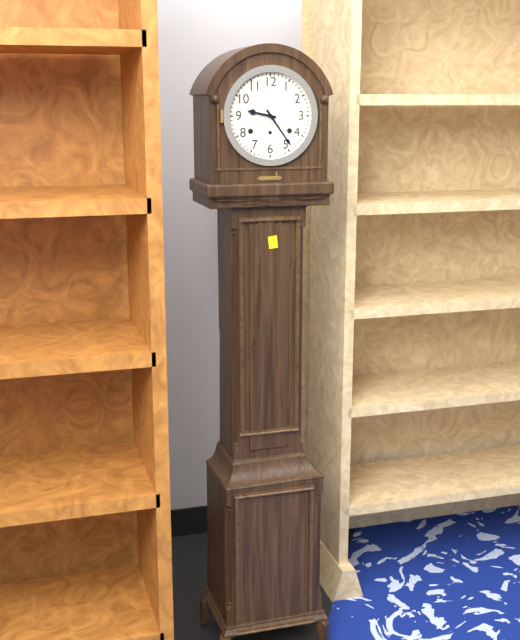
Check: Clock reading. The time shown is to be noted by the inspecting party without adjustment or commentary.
9:24
